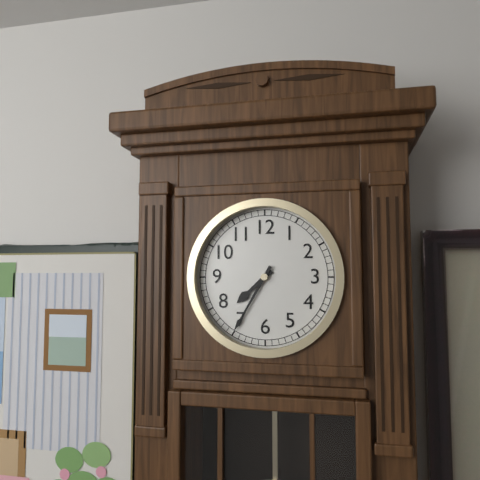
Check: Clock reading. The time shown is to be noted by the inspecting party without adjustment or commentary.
7:35
